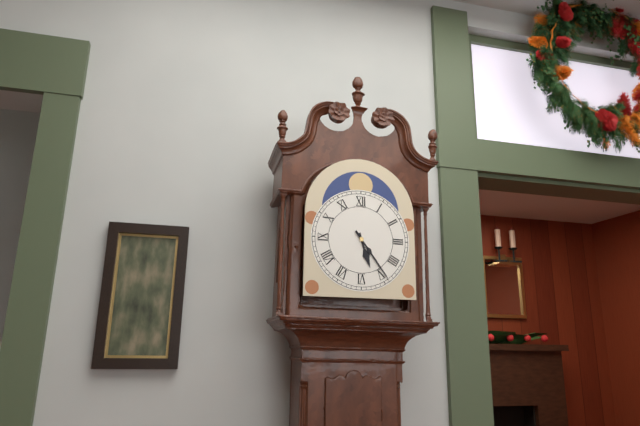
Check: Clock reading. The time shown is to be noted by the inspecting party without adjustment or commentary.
5:24
